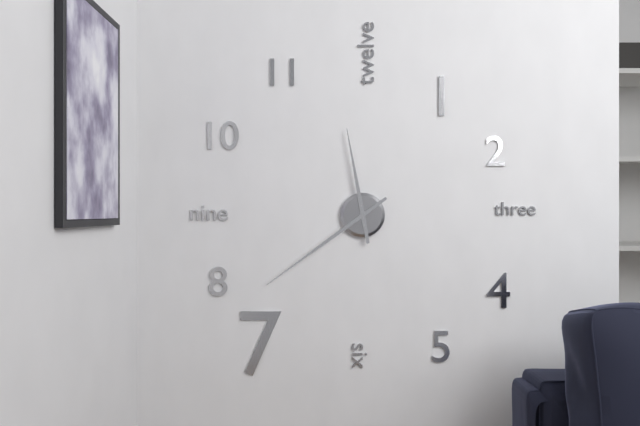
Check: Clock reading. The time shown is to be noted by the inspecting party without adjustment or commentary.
11:39
